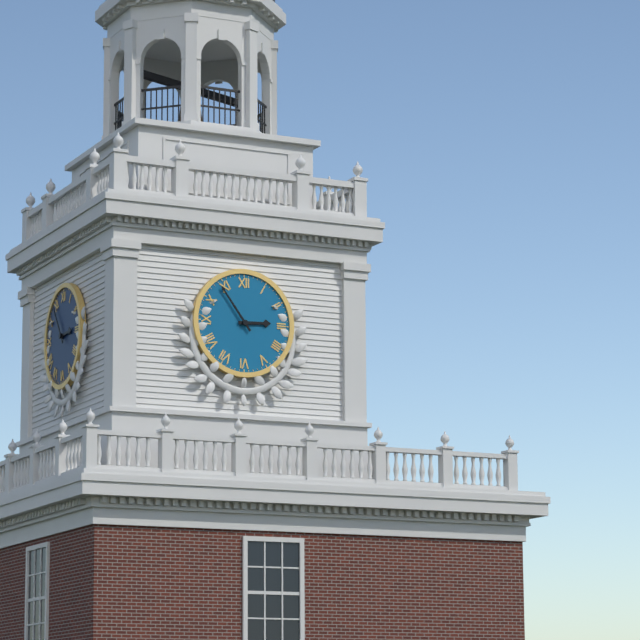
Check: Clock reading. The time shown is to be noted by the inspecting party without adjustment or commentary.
2:54
